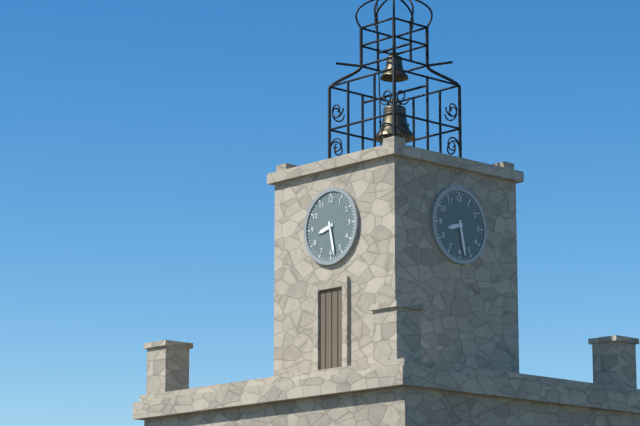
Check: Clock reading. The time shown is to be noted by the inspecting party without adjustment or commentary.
8:28
